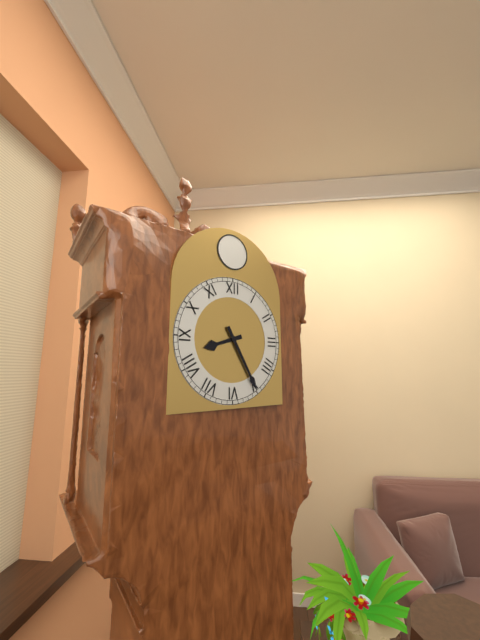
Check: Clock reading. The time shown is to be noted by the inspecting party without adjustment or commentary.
8:25
